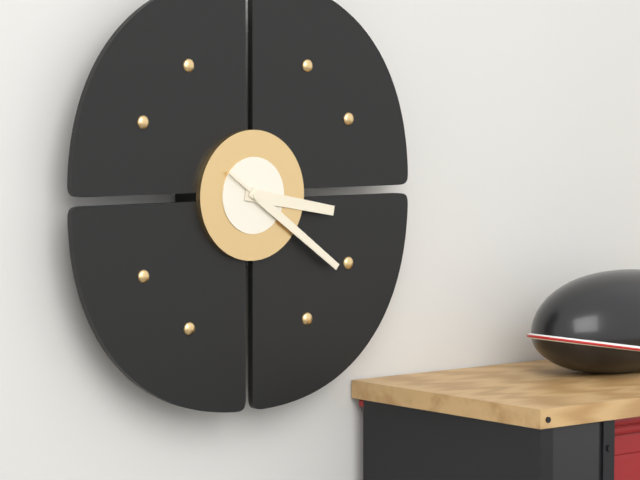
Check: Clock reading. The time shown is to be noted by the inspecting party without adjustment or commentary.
3:21
